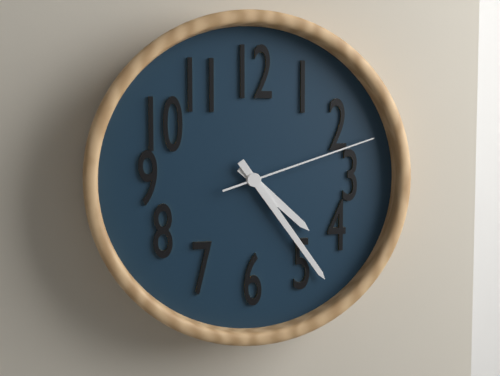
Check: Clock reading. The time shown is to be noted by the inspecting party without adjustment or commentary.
4:24:12
